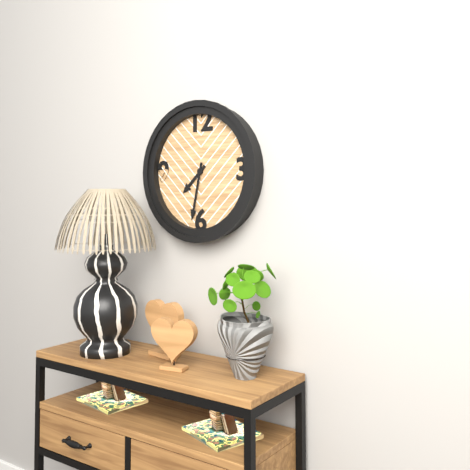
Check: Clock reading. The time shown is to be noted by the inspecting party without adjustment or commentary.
7:32
